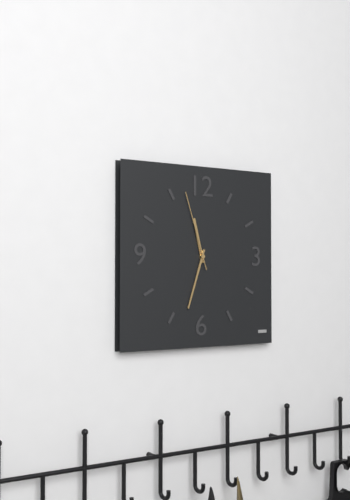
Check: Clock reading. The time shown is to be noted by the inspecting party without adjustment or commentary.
11:33:57
